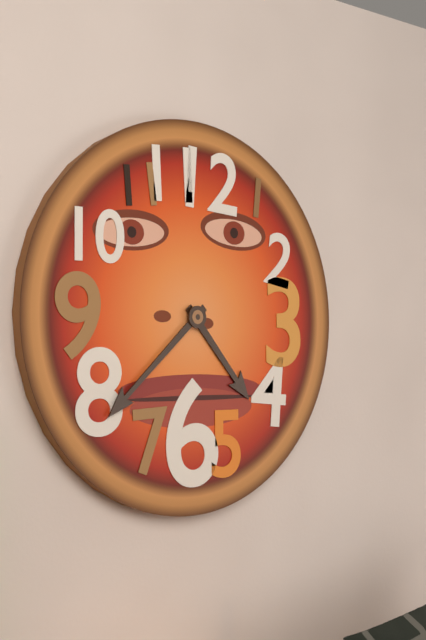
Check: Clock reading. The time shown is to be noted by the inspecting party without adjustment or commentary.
4:38
